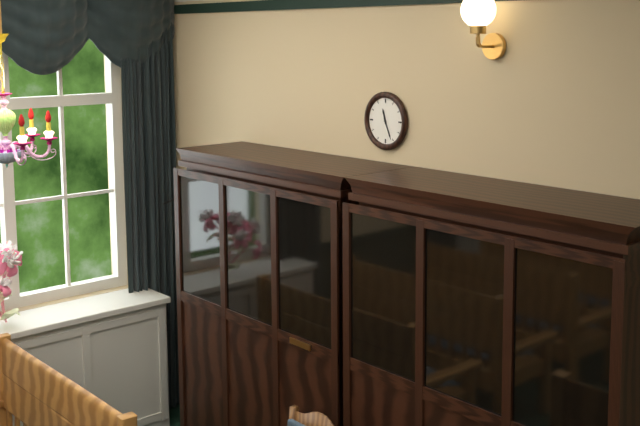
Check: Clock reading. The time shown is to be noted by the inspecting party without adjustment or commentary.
11:26
